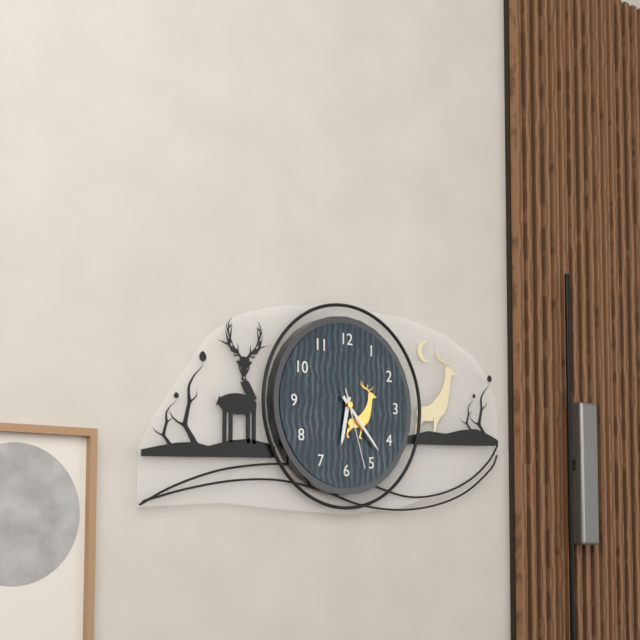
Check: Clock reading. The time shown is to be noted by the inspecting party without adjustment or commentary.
6:23:27
